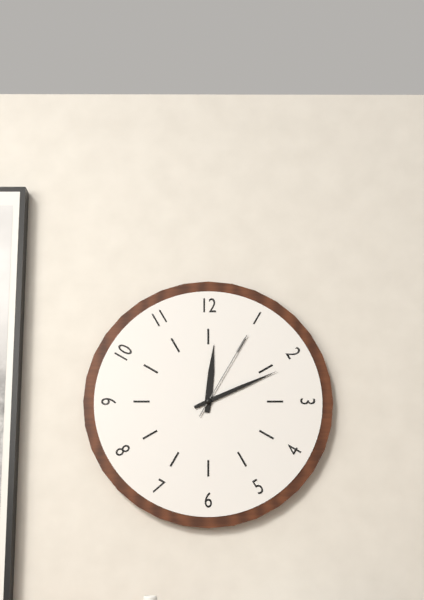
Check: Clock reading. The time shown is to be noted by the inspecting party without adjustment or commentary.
12:11:05
